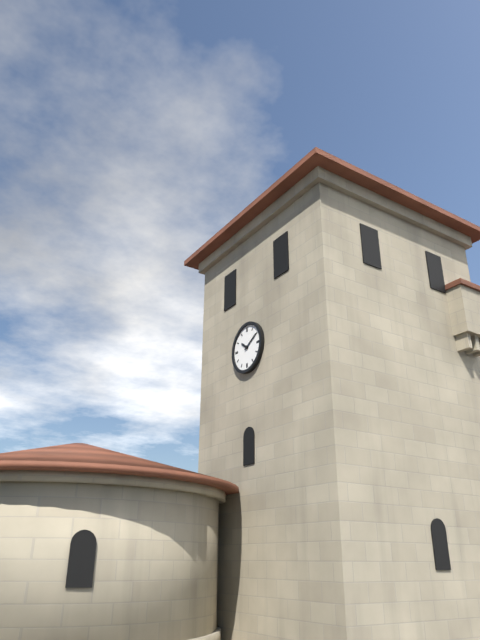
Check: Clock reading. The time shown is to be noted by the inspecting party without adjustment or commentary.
10:10
